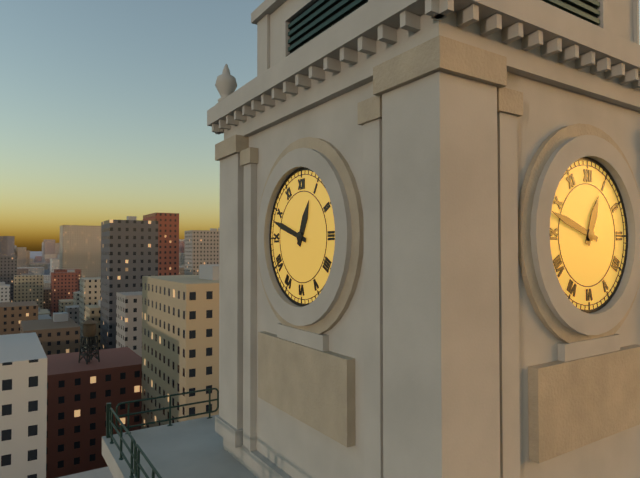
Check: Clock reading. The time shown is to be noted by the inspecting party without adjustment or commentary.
12:48
